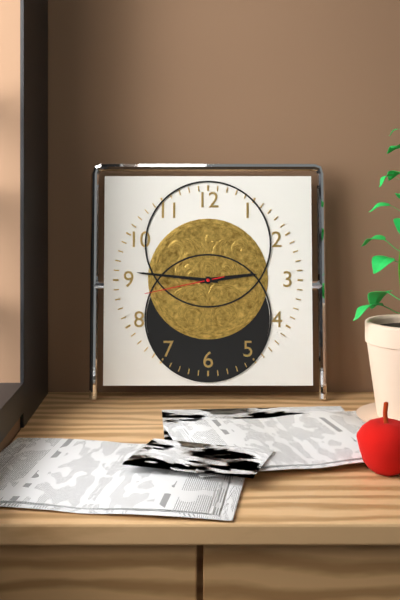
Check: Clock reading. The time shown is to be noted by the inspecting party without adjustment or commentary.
2:46:43
